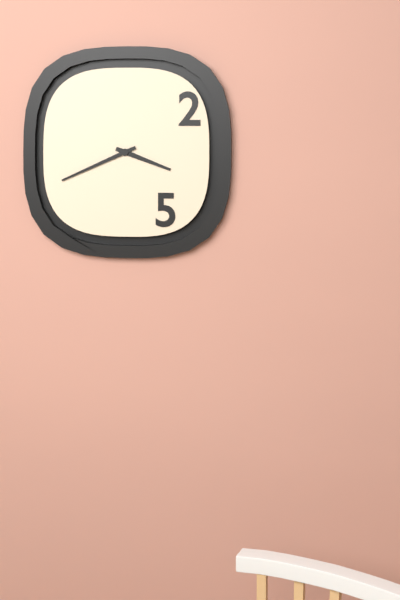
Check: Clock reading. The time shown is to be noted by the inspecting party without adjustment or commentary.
3:41
